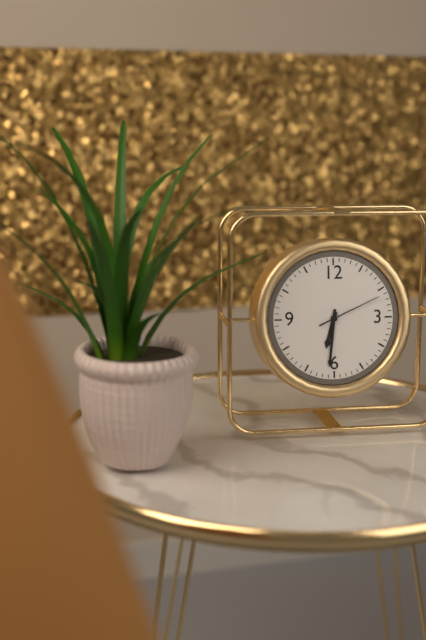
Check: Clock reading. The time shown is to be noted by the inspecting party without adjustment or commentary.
6:31:11
